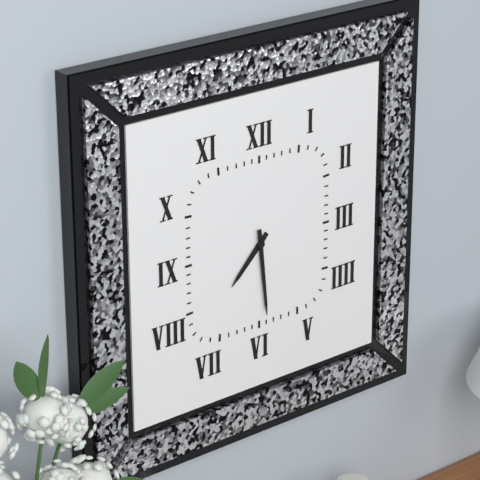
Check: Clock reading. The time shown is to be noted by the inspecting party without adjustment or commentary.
7:29
